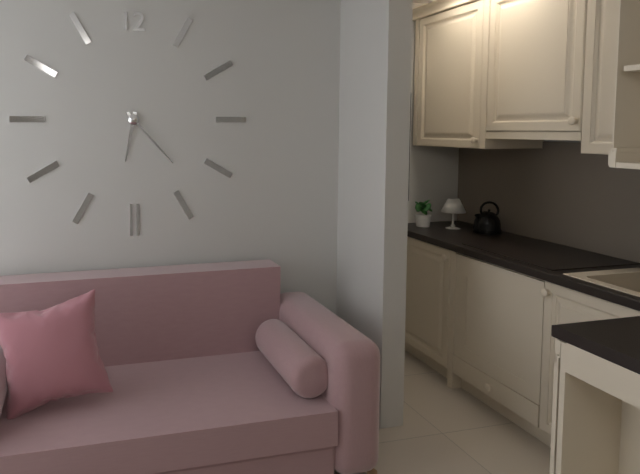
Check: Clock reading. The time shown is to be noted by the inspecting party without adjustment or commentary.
6:23
